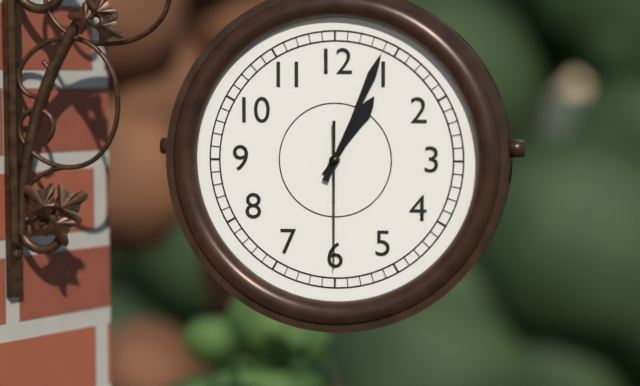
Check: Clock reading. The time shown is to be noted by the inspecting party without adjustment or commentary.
1:04:30
